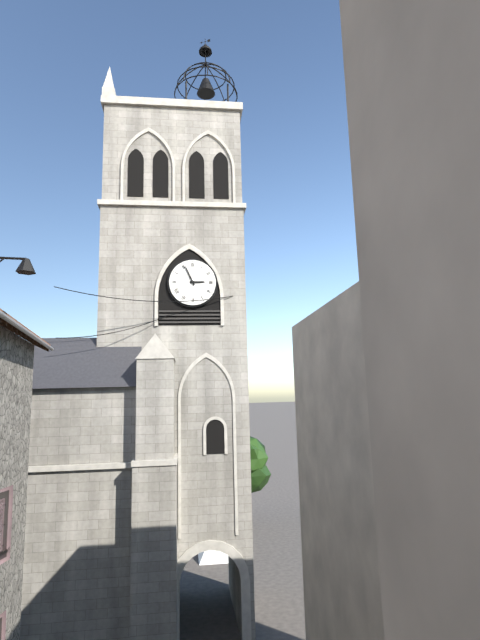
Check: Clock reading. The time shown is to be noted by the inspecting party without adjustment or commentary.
2:56
